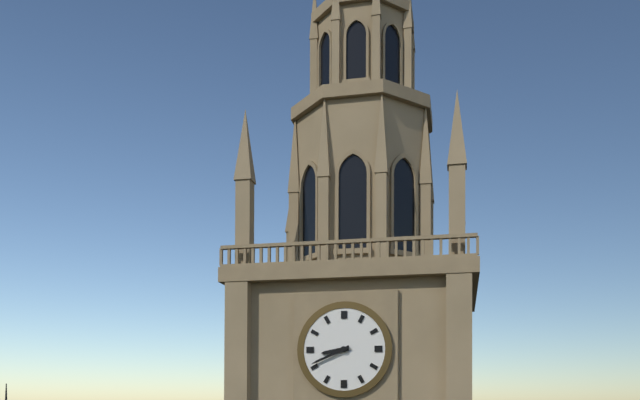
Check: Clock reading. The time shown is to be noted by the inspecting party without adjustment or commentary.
8:41
